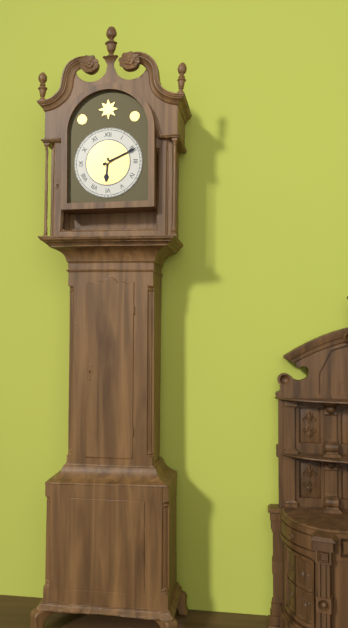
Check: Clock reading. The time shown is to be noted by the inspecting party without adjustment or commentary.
6:11
